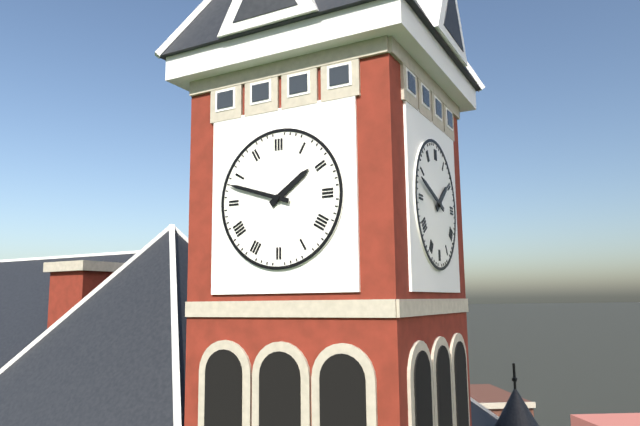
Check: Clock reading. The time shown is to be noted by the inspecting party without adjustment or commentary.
1:48
